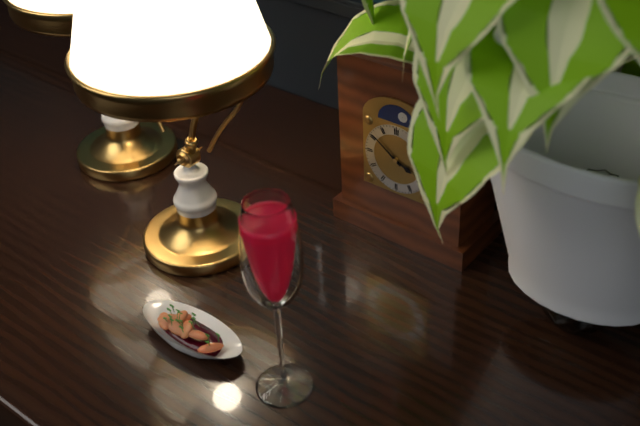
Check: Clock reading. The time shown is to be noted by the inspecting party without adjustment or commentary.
3:51
